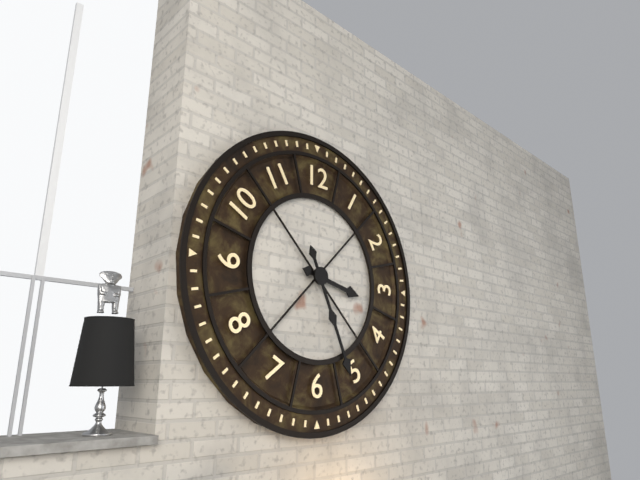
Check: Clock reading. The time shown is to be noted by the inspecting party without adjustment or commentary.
3:26
